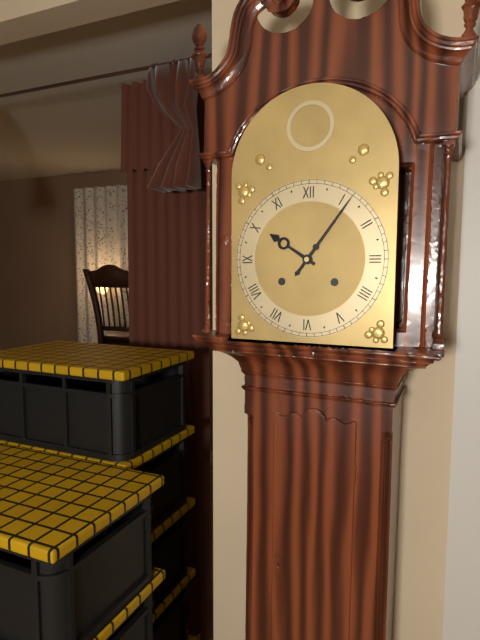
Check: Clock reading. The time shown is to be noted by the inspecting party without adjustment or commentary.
10:06
